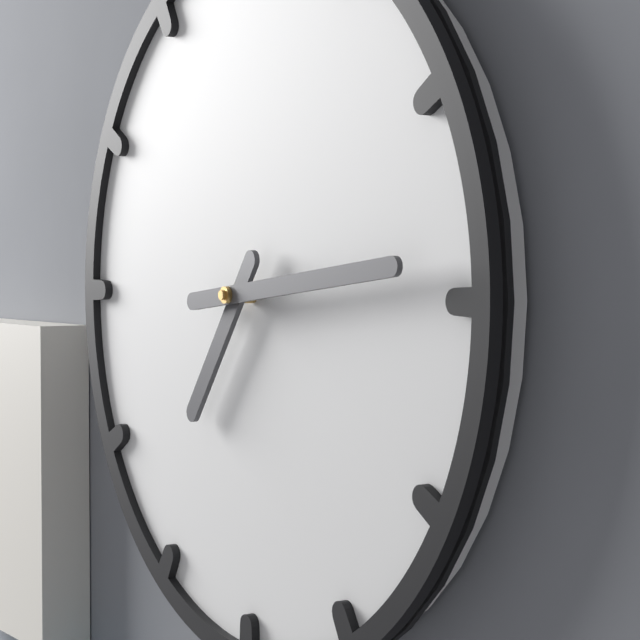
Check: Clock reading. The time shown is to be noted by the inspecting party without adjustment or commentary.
7:14
